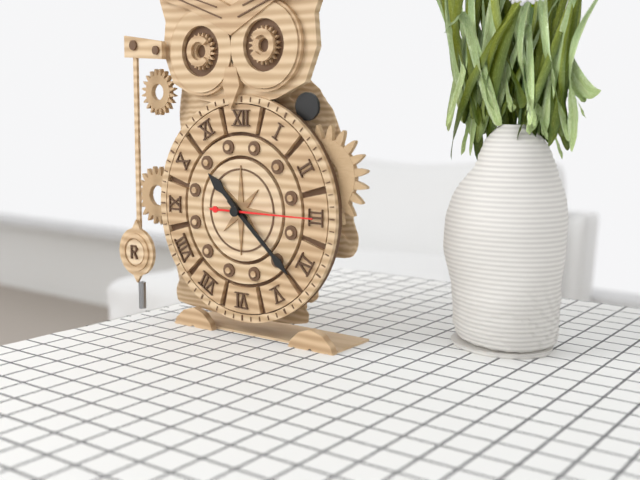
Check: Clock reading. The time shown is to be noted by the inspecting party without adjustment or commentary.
10:22:15
